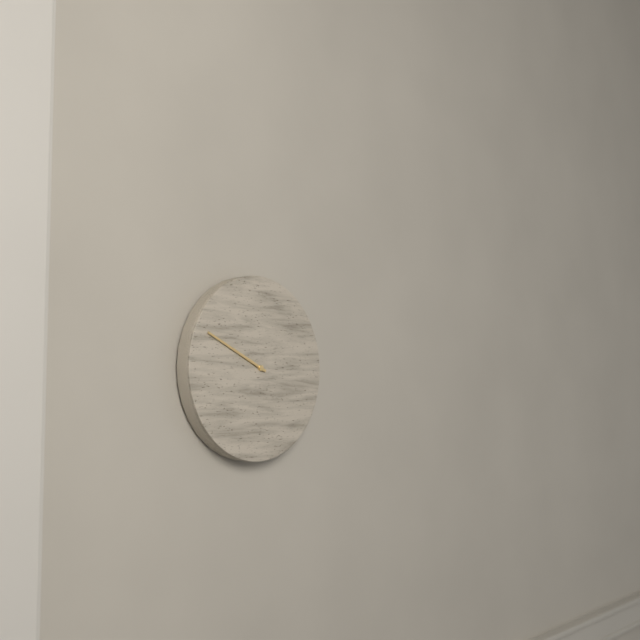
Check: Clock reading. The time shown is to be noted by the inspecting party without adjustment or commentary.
9:49
